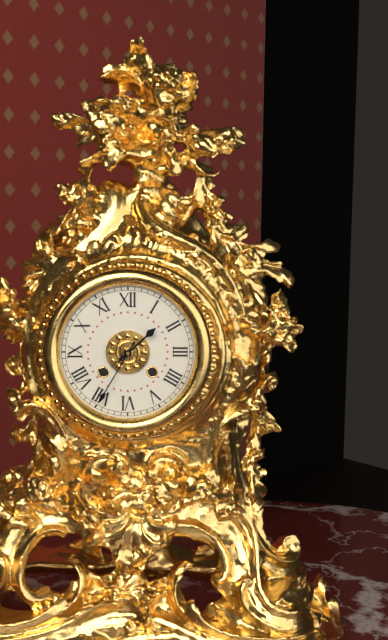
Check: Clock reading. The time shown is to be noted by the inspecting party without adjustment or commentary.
1:35
